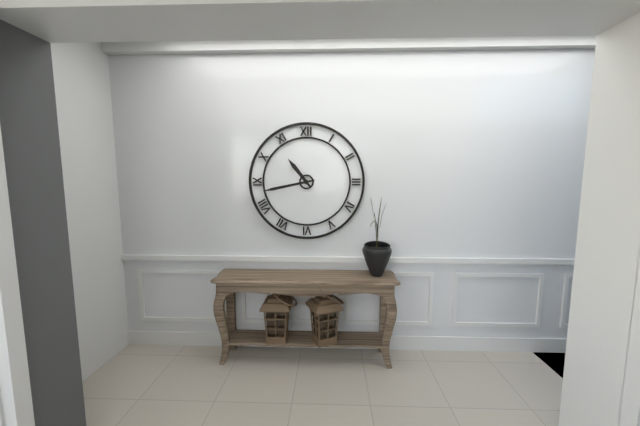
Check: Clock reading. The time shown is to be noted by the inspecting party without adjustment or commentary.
10:43
